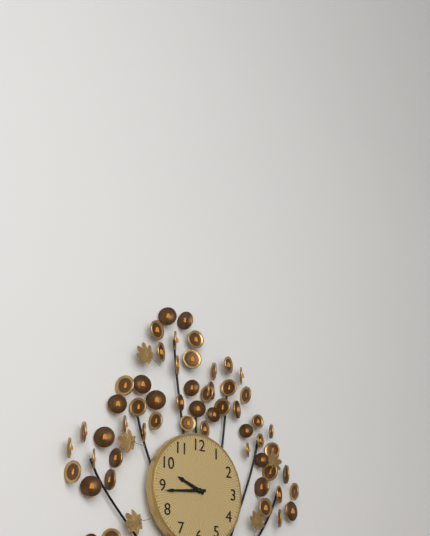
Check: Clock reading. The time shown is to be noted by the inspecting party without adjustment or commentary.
9:44
